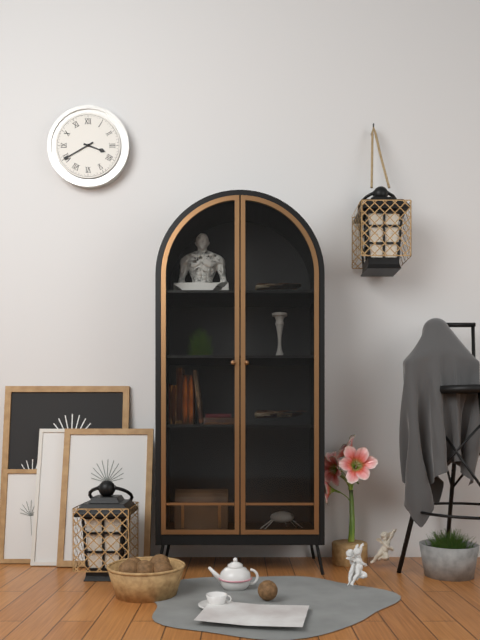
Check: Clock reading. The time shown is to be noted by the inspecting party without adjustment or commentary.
3:40
